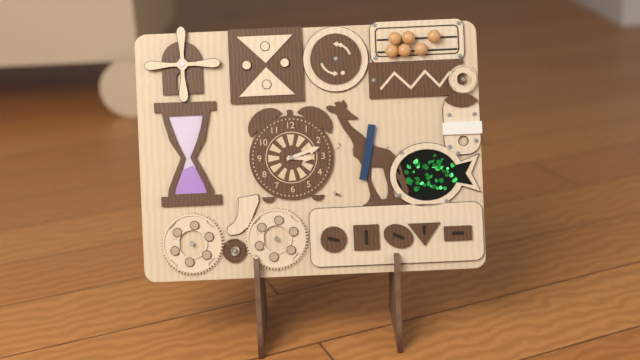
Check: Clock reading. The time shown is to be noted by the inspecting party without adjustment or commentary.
3:12
